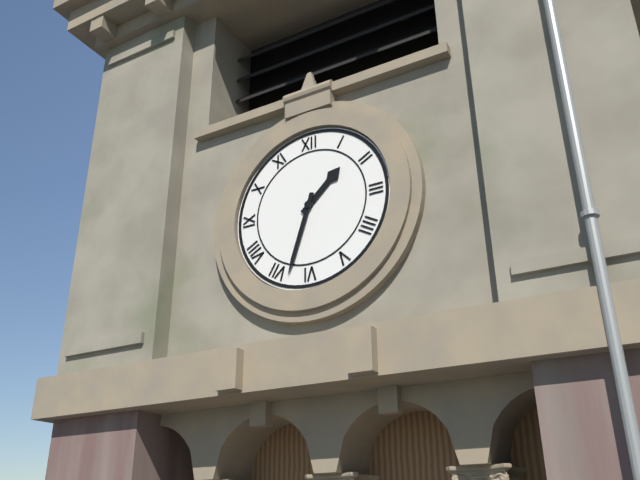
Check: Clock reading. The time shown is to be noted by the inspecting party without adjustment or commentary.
1:33
